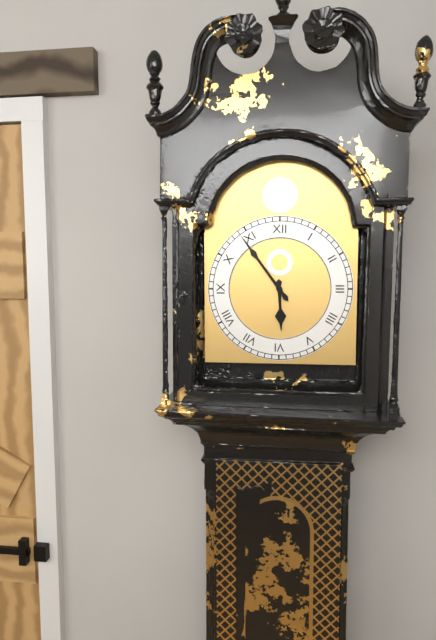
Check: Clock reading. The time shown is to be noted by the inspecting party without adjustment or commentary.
5:54
